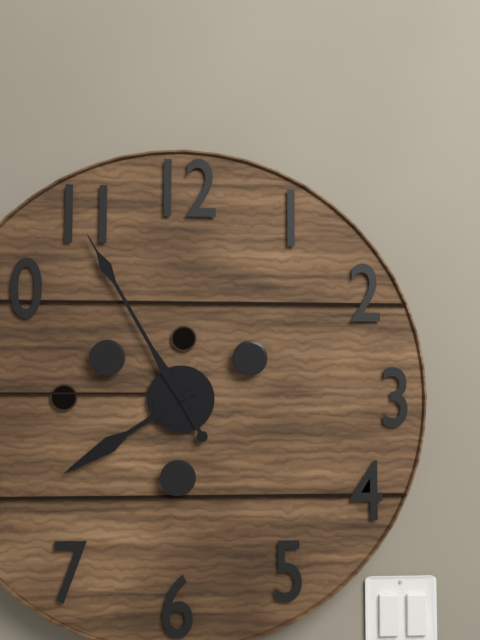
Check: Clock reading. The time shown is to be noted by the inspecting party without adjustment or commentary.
7:55
